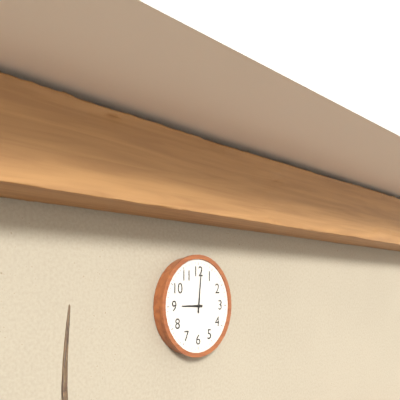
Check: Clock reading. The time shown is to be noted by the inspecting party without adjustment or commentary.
9:01
